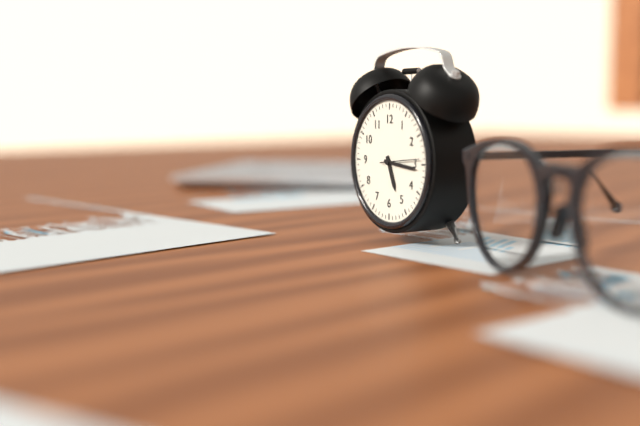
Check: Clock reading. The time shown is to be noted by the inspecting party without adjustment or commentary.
5:16
